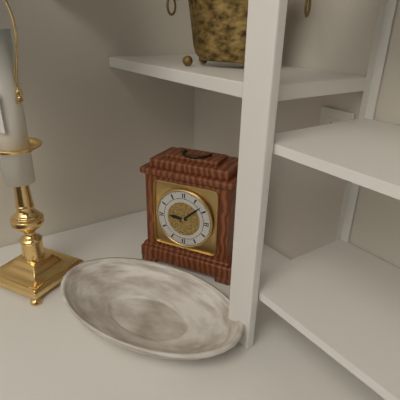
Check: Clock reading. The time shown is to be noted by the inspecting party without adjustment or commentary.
9:08
